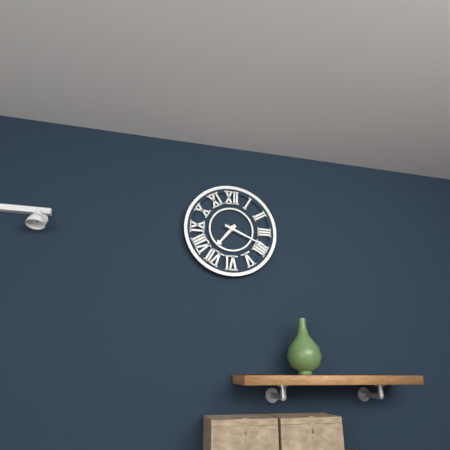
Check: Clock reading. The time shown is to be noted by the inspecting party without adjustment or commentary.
7:19
